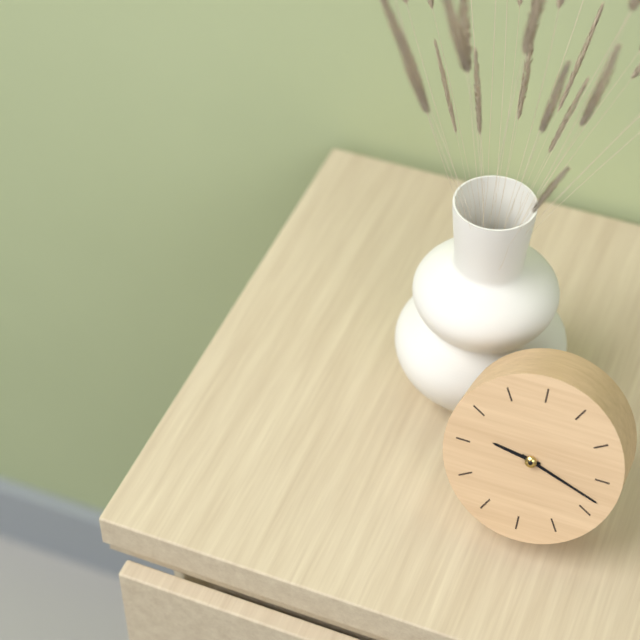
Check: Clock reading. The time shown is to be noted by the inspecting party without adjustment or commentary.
9:18
